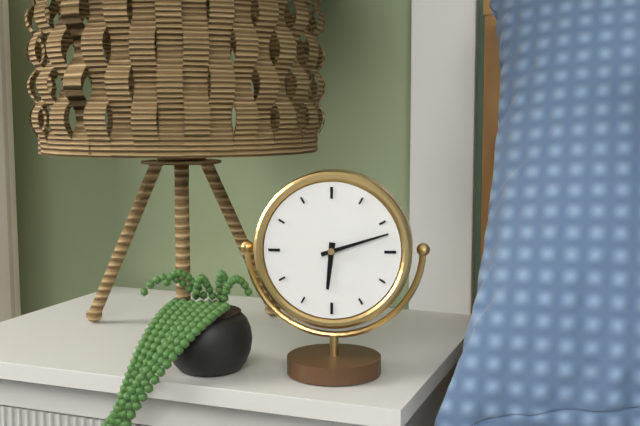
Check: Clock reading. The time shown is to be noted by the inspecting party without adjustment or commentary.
6:12
